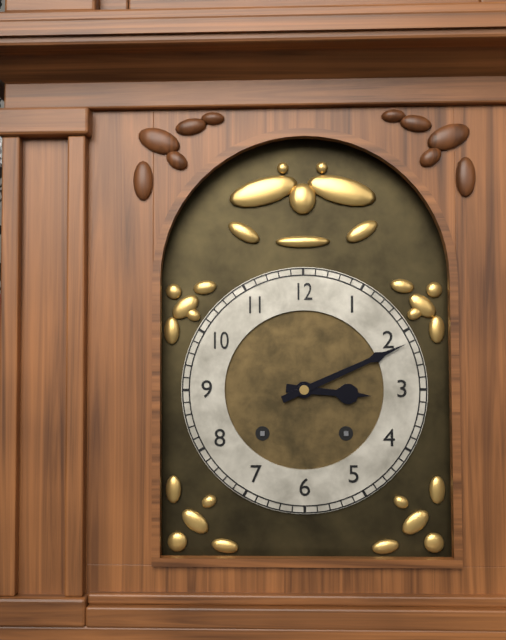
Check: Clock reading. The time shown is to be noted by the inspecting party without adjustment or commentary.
3:11
